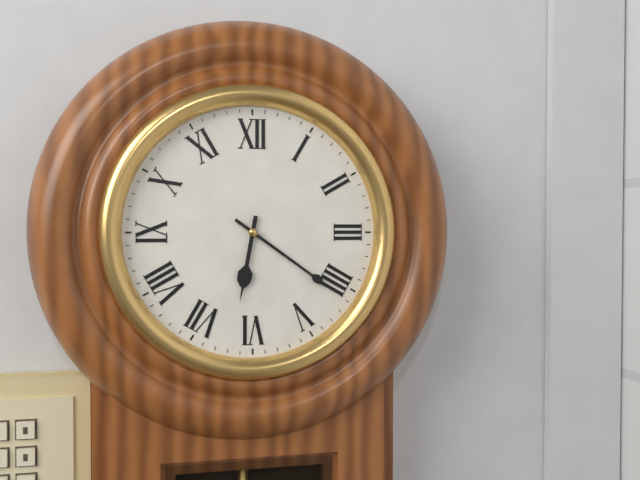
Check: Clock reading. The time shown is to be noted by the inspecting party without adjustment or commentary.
6:21
